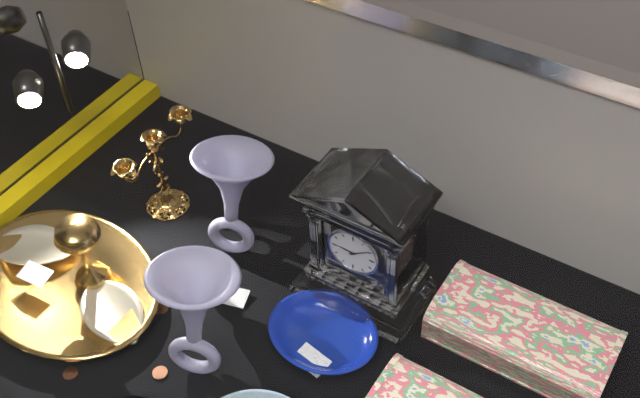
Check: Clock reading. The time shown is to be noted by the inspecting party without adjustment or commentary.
9:09
